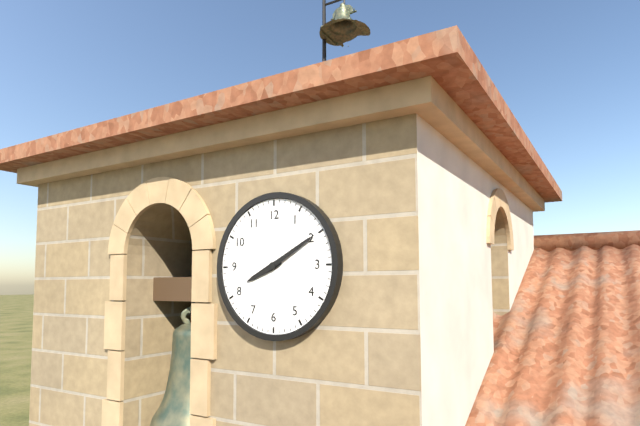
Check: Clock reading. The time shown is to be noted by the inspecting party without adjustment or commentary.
8:10
